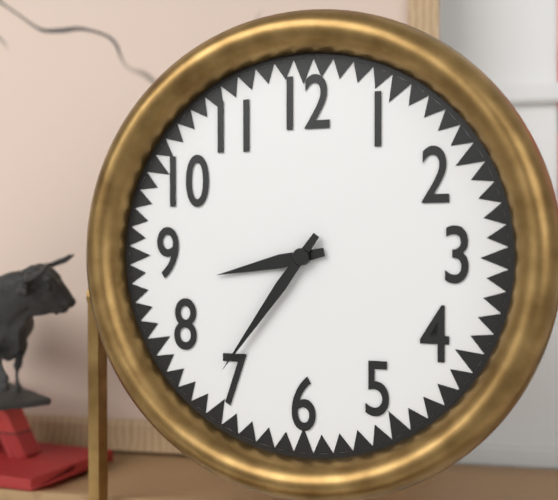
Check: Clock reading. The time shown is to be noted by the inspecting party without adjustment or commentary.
8:36
